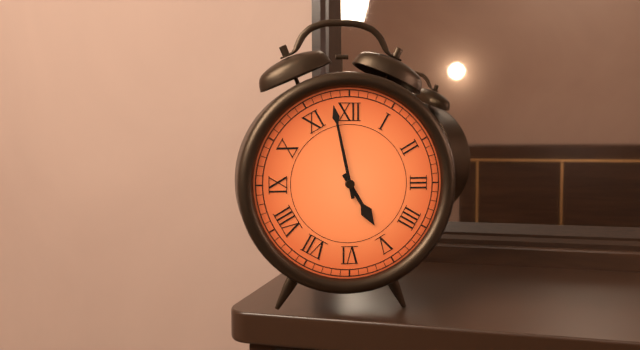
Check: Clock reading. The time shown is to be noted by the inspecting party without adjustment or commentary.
4:58
